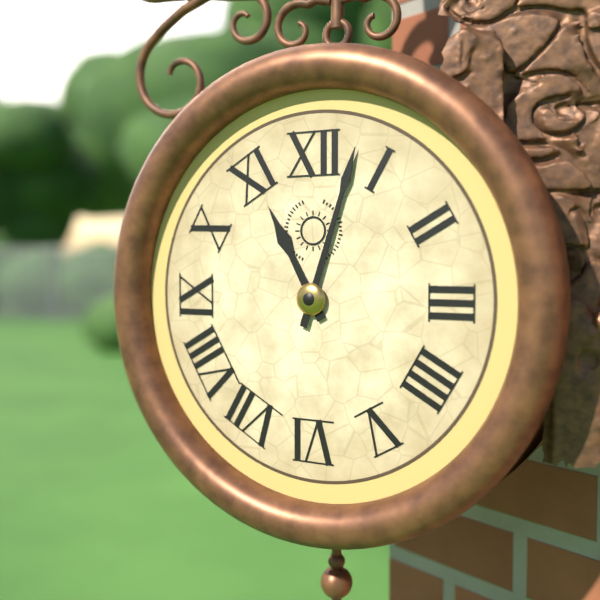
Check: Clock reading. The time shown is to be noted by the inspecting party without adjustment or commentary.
11:03
